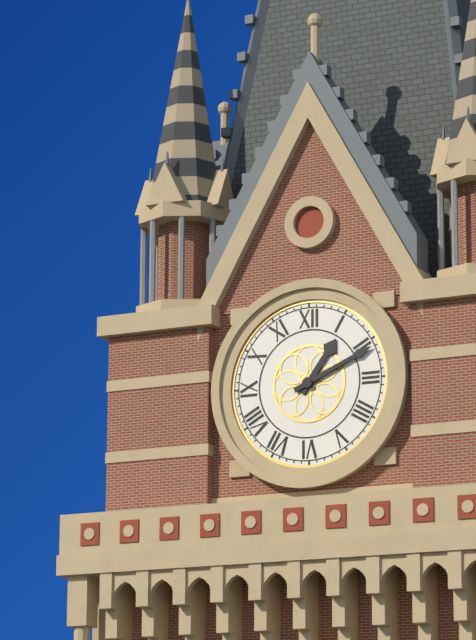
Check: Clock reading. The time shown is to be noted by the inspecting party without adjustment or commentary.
1:11
